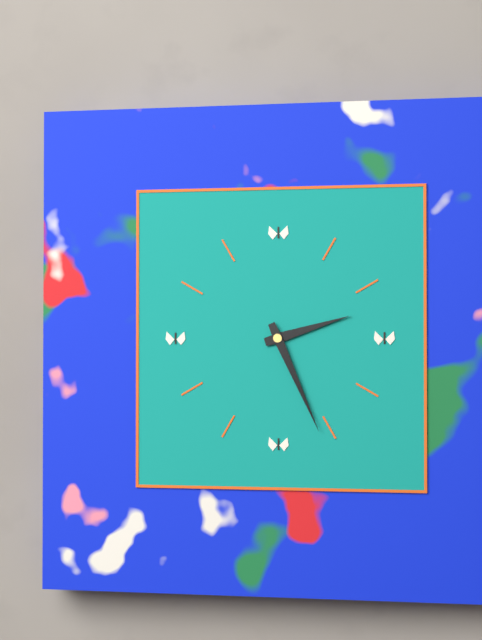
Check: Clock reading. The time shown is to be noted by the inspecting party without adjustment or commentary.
2:26
